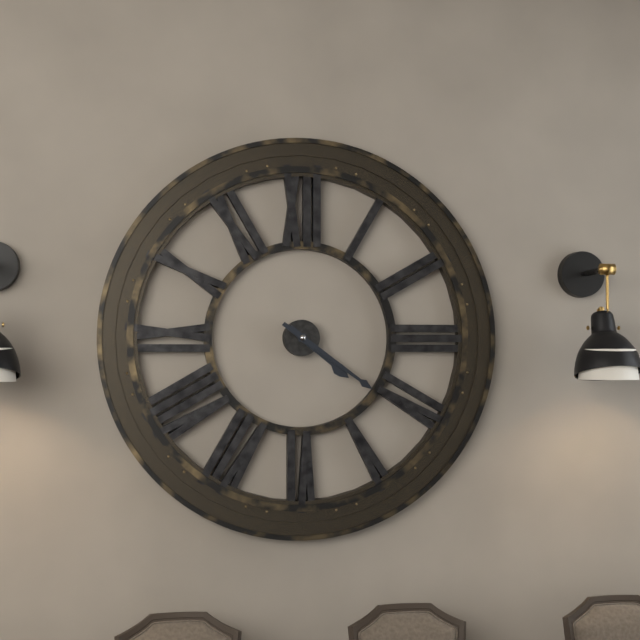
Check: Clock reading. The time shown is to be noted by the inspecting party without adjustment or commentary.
4:21
